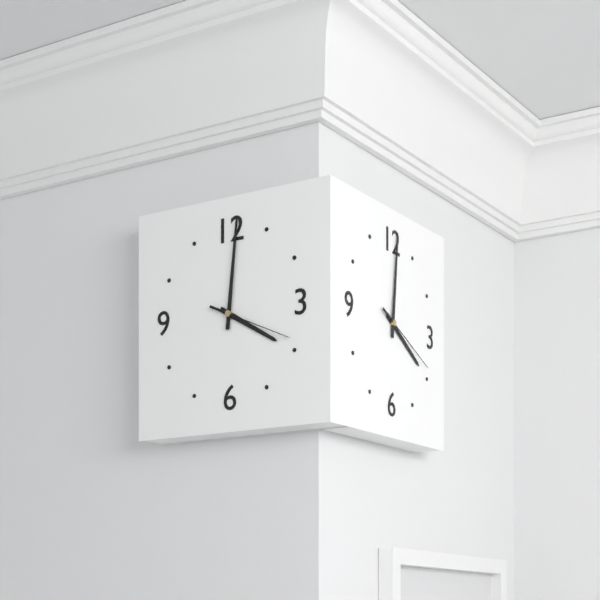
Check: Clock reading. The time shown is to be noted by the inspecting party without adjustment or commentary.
4:01:19
